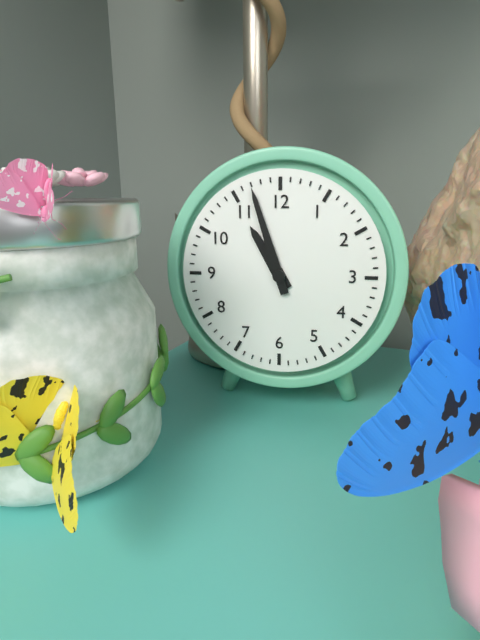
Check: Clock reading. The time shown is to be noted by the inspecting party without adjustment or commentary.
10:57
